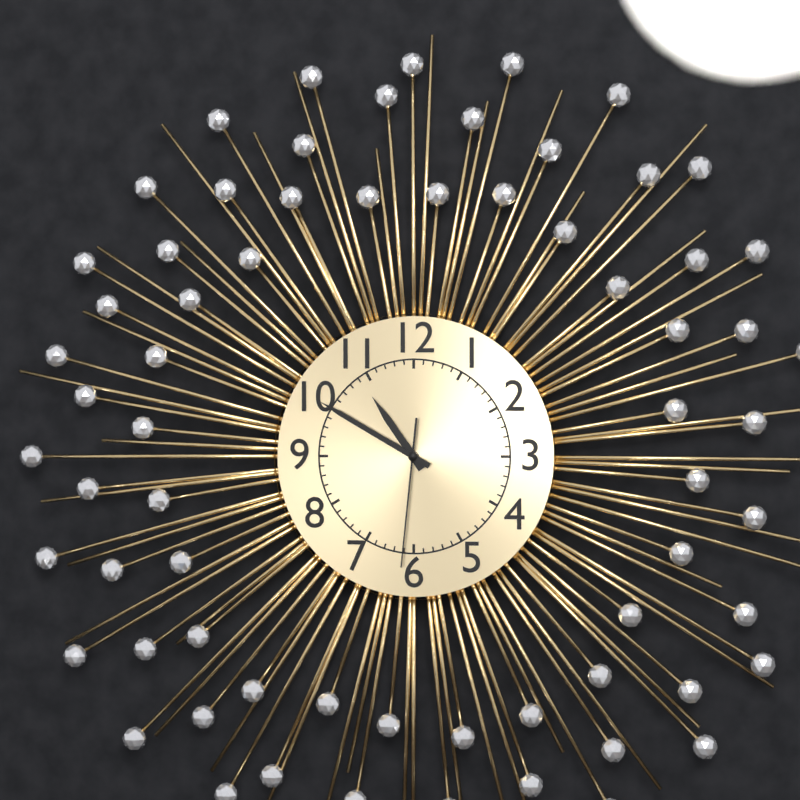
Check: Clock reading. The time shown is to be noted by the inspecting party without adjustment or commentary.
10:50:31
